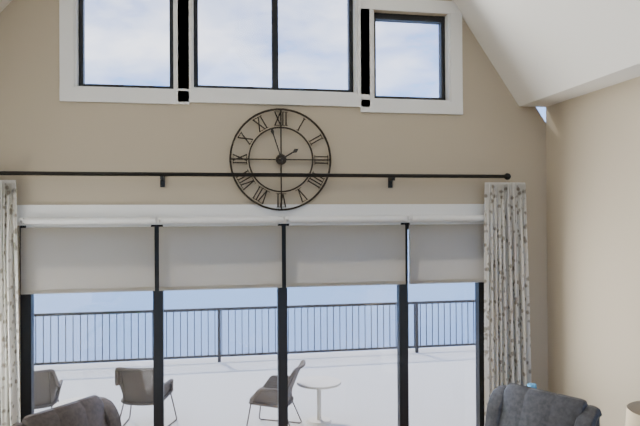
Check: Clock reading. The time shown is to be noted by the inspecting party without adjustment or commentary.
1:57
